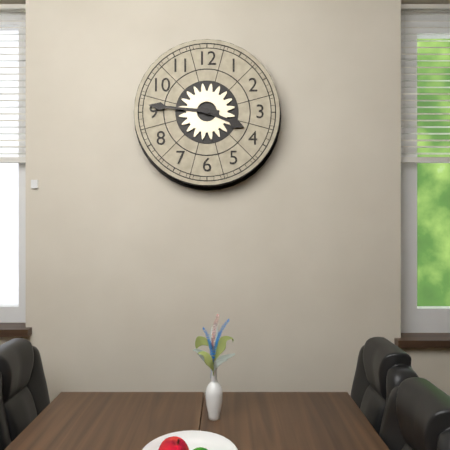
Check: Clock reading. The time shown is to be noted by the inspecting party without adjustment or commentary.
3:46
